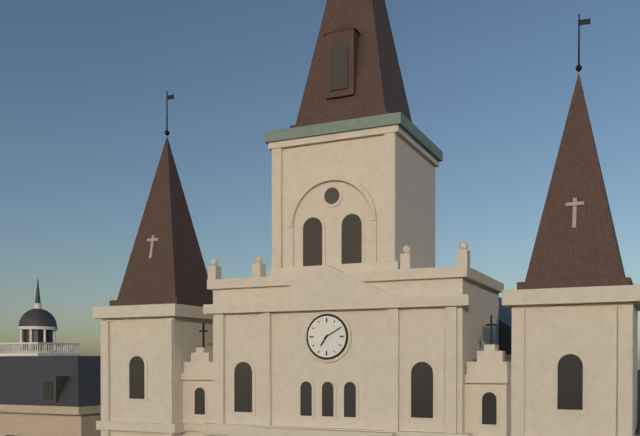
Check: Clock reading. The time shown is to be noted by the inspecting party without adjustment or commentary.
7:10
